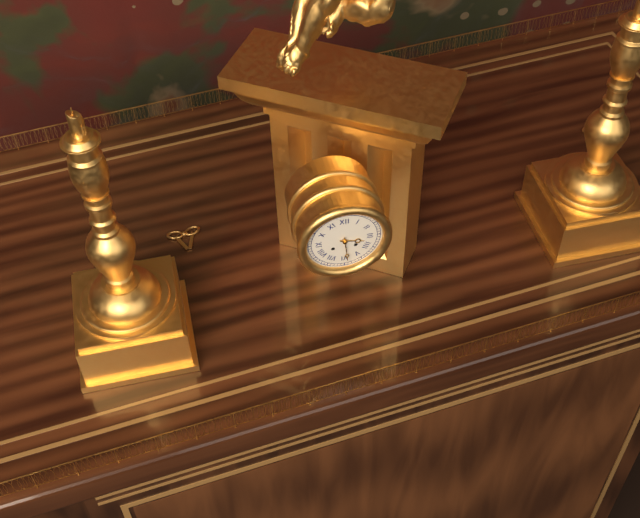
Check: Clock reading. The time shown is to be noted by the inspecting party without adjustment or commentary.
3:29
